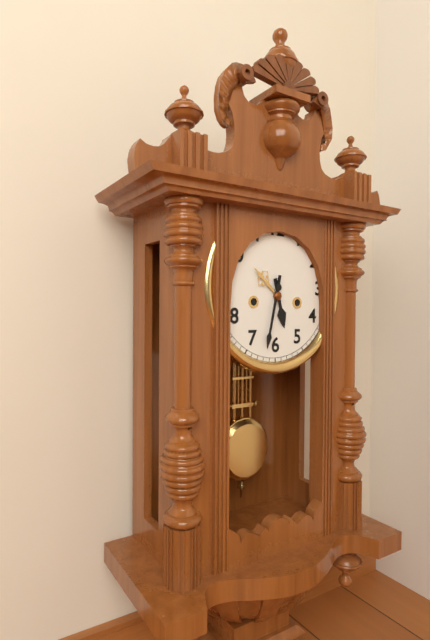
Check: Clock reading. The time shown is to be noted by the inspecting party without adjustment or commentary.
5:32
